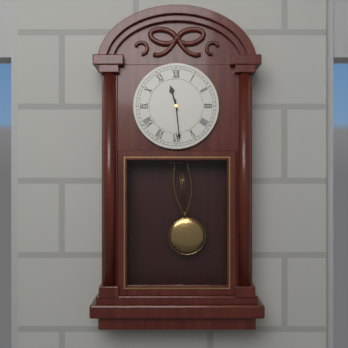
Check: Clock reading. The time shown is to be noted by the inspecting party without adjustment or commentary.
11:29
